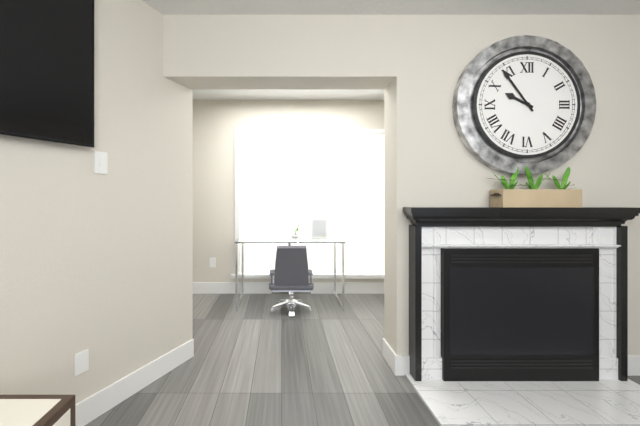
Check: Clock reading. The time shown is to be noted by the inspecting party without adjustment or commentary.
9:54
